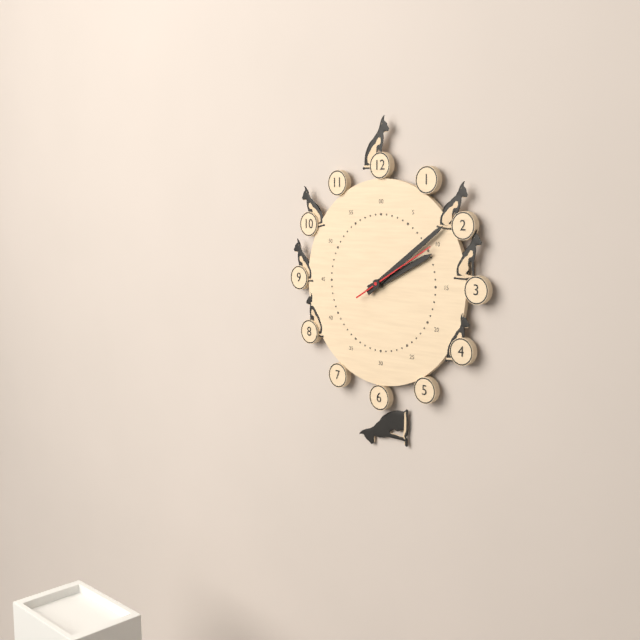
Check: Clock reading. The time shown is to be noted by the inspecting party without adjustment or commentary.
2:09:10
